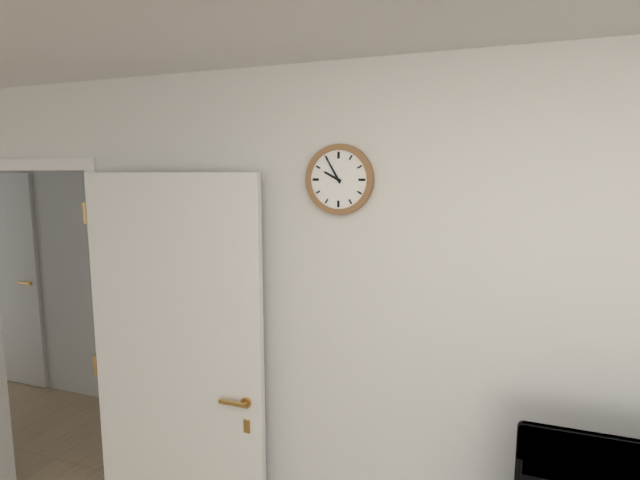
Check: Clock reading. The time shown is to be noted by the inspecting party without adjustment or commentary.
9:55
